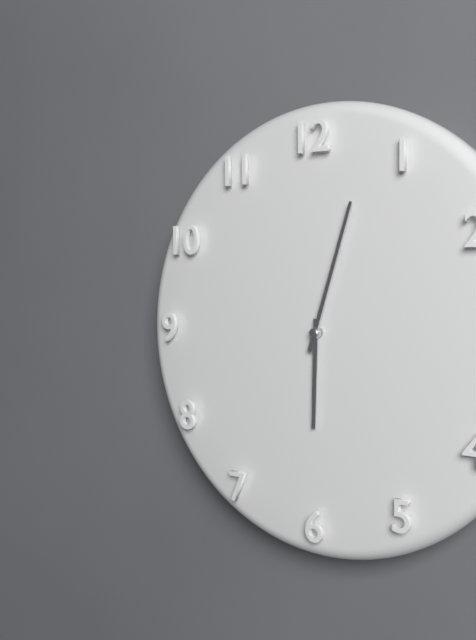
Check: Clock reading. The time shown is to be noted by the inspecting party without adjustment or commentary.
6:03
